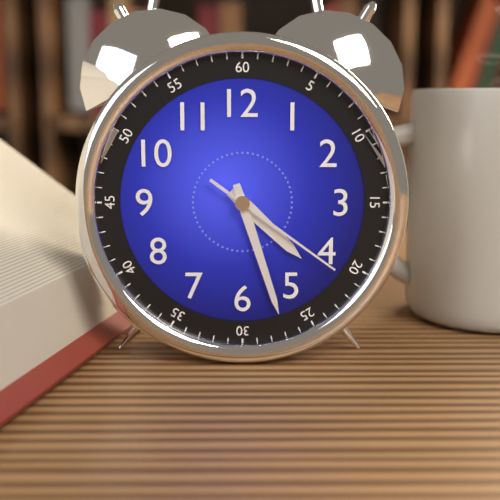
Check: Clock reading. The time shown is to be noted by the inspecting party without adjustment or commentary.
4:27:21
